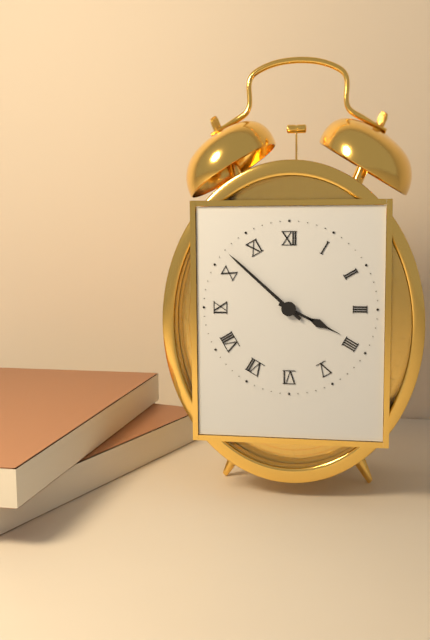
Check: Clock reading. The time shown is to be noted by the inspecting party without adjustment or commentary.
3:52
